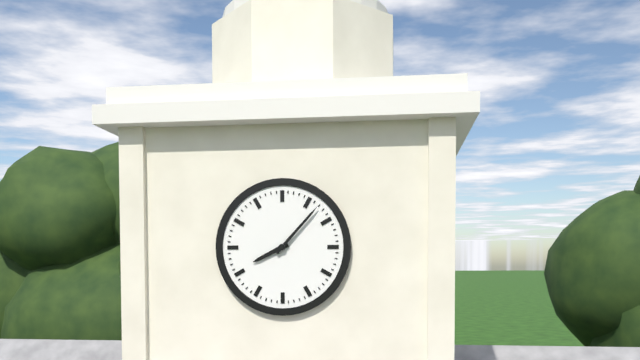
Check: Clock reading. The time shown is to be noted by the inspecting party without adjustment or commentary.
8:07
